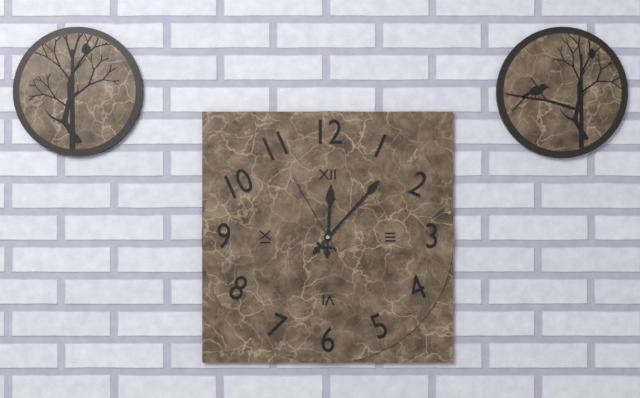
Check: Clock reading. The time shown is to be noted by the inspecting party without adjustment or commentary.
12:07:55
